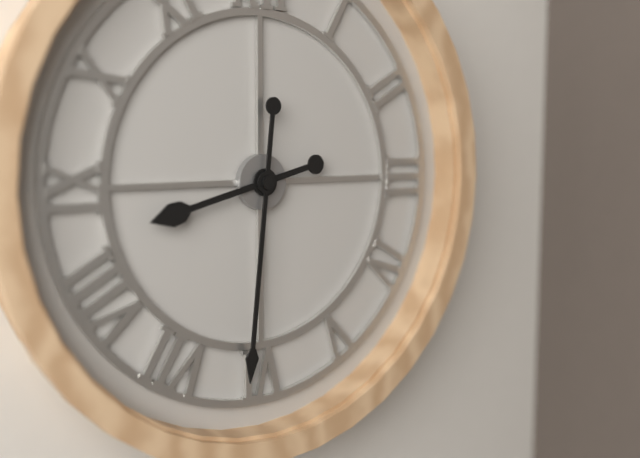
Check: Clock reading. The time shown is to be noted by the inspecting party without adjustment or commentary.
8:31
